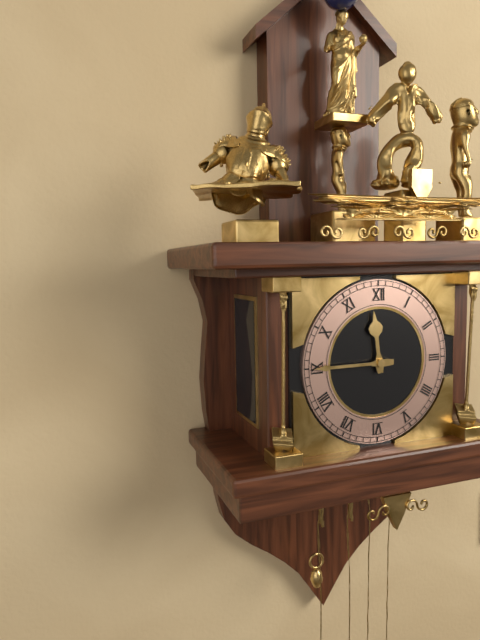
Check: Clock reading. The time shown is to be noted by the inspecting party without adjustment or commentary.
11:45
